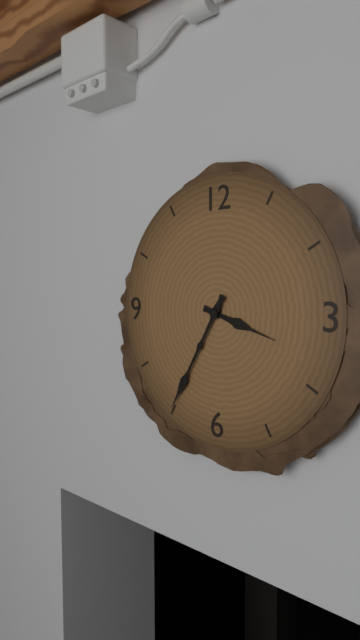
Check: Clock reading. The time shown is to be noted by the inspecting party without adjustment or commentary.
3:35
